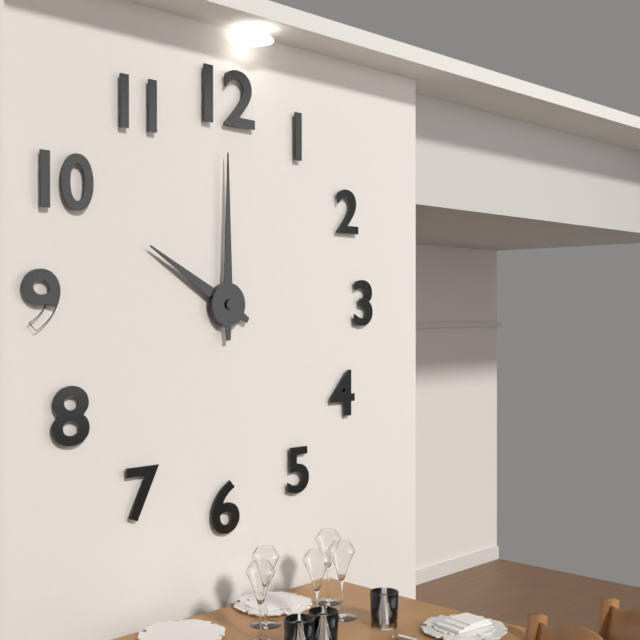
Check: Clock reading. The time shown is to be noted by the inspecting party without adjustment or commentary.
10:00
